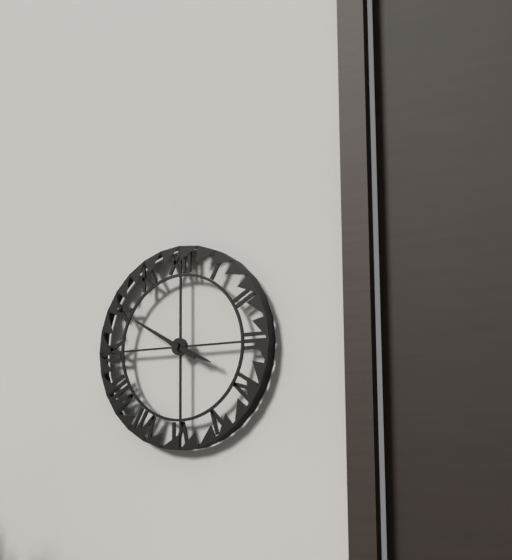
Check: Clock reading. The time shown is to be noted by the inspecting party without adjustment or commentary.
3:50
